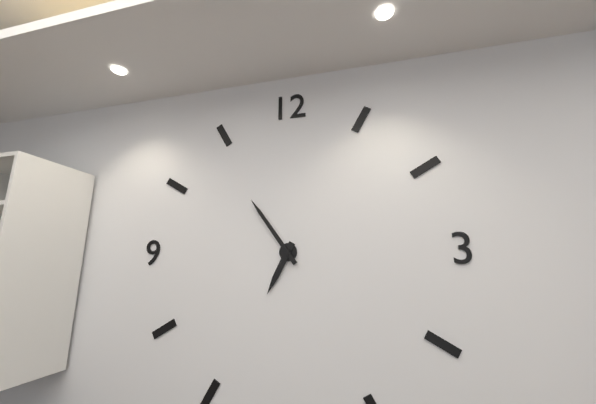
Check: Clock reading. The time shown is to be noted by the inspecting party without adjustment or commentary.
6:54
